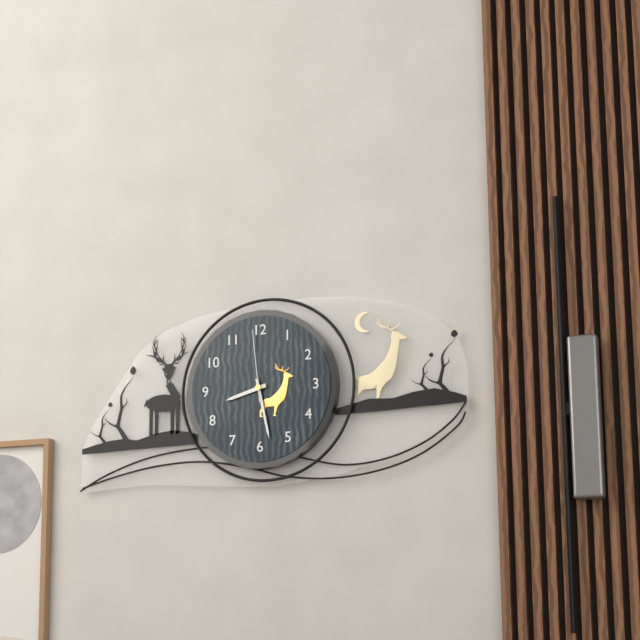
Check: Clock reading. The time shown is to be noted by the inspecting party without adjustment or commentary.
8:28:59
